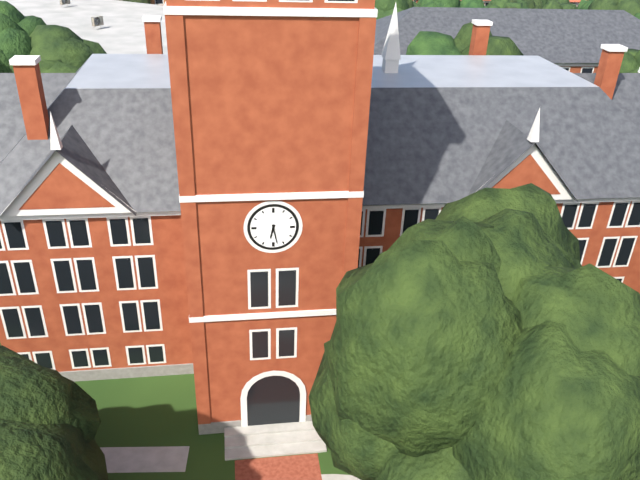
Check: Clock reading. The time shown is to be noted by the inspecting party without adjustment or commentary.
6:28
